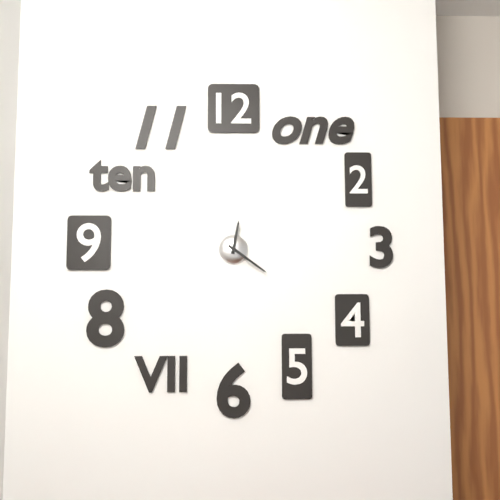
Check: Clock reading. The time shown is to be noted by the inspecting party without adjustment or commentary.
12:21
